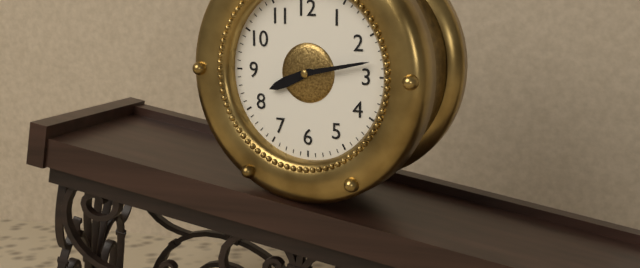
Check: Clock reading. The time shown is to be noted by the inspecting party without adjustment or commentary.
8:13
